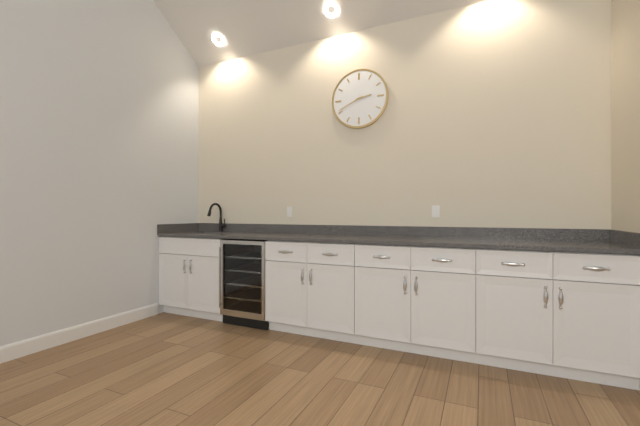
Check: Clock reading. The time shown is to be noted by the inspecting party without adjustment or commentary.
2:41
